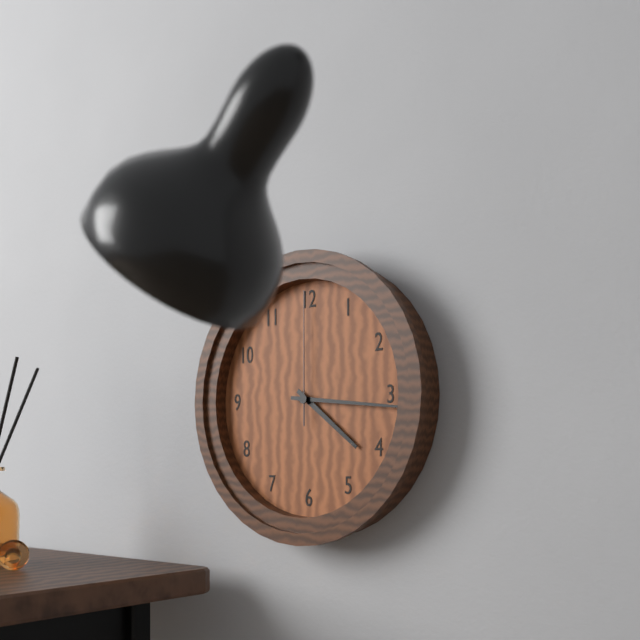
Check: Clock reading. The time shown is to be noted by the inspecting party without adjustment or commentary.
4:16:00
